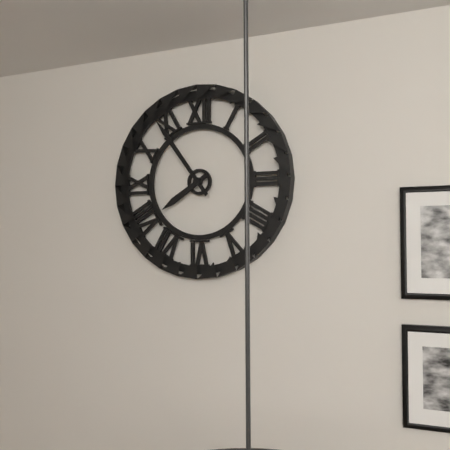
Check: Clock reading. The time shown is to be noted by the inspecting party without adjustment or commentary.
7:54
